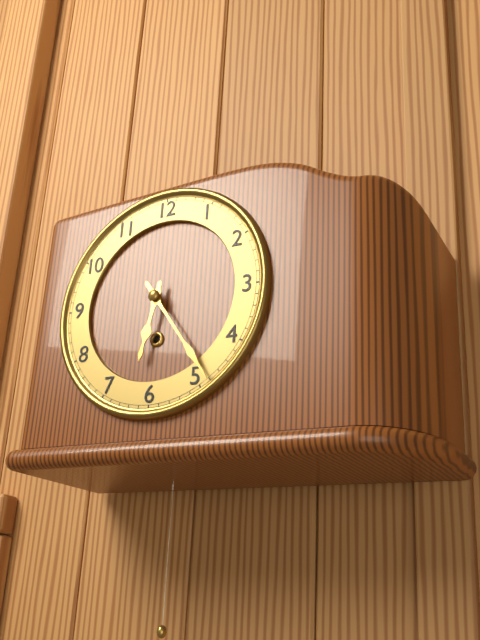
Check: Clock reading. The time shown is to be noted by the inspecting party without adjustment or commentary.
6:24
